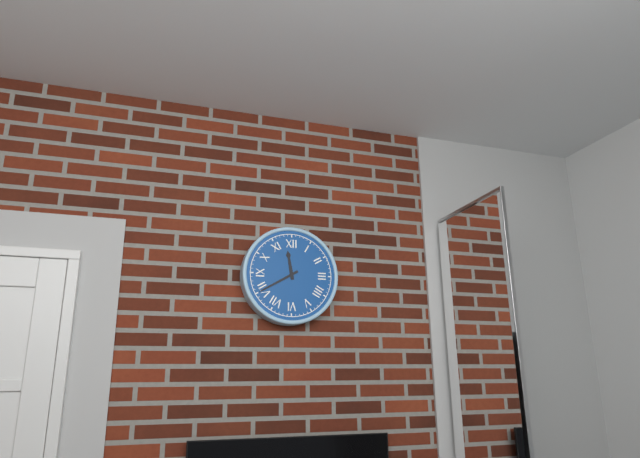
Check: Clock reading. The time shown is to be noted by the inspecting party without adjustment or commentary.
11:40
